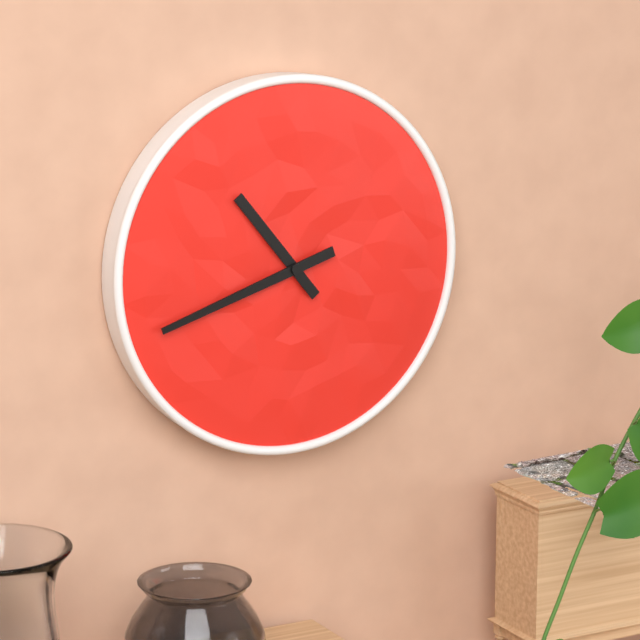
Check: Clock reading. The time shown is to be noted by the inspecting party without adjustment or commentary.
10:42
